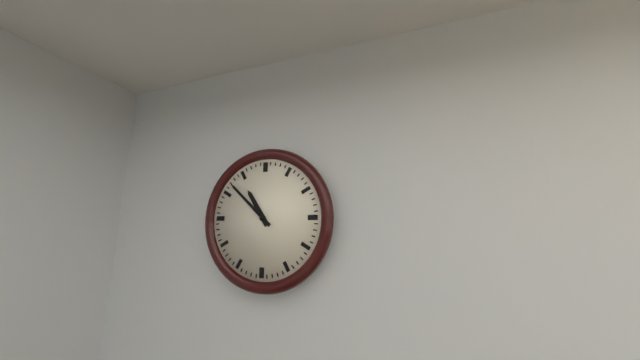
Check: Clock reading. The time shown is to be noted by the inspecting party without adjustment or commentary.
10:52
